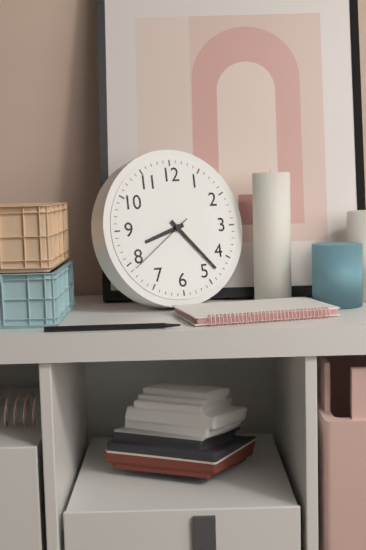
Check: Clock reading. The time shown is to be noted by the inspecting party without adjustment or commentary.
8:23:39
